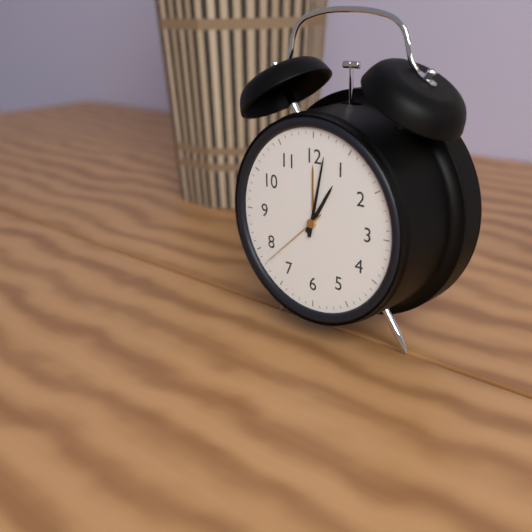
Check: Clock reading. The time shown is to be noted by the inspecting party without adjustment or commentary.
1:02:38
